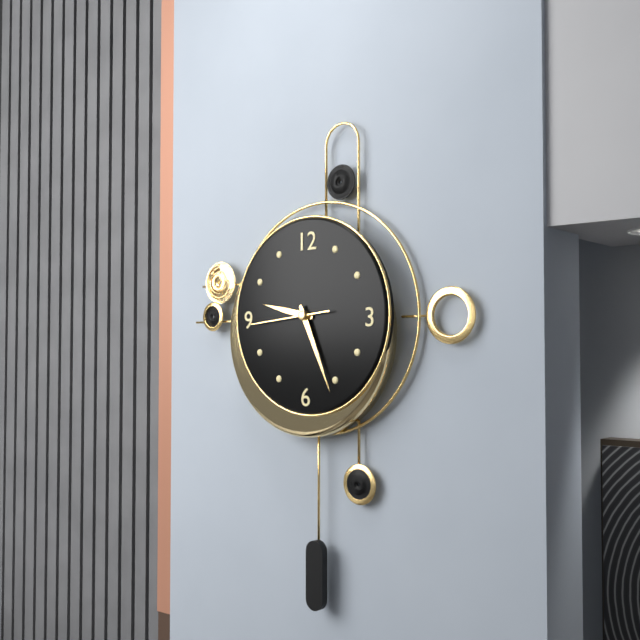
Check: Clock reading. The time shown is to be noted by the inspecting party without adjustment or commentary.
9:26:44
